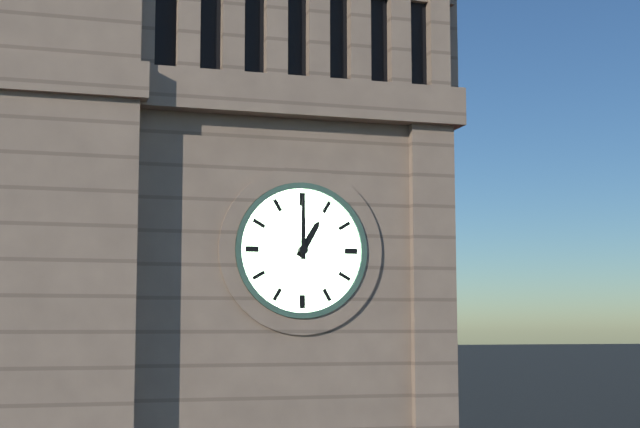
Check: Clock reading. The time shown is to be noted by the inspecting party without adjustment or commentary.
1:00
